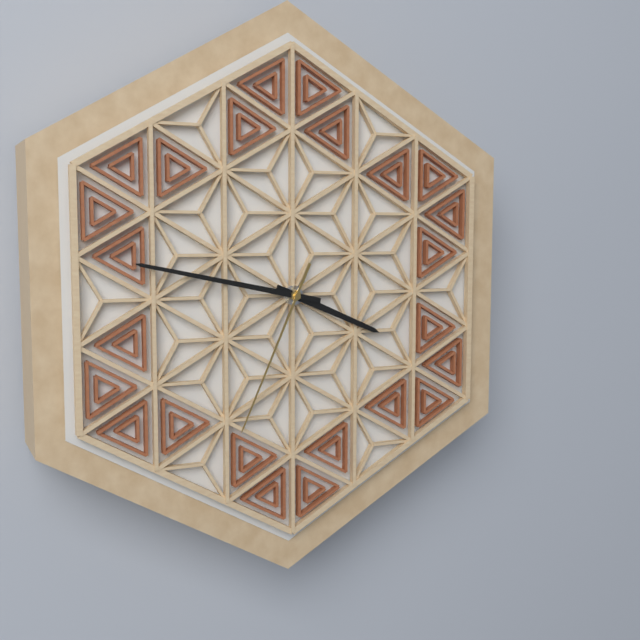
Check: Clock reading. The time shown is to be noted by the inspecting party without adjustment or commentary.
3:47:34
